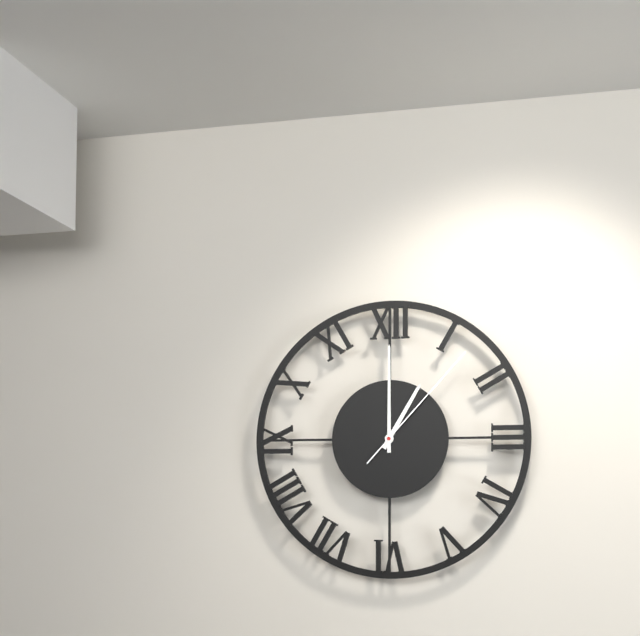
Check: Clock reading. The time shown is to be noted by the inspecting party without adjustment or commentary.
1:00:07
